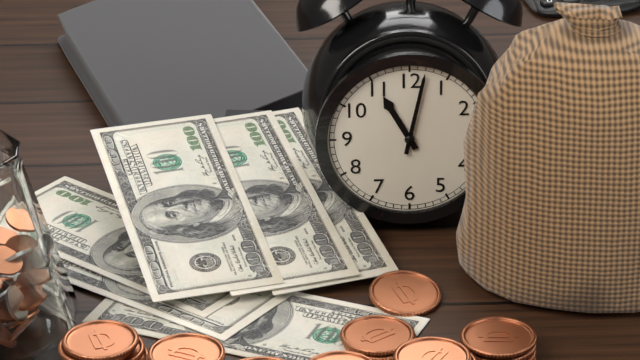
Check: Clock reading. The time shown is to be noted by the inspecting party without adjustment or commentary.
11:02
